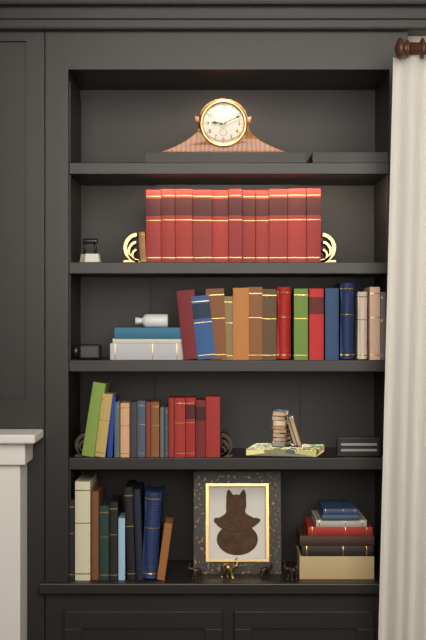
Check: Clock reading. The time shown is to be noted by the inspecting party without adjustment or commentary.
9:11
